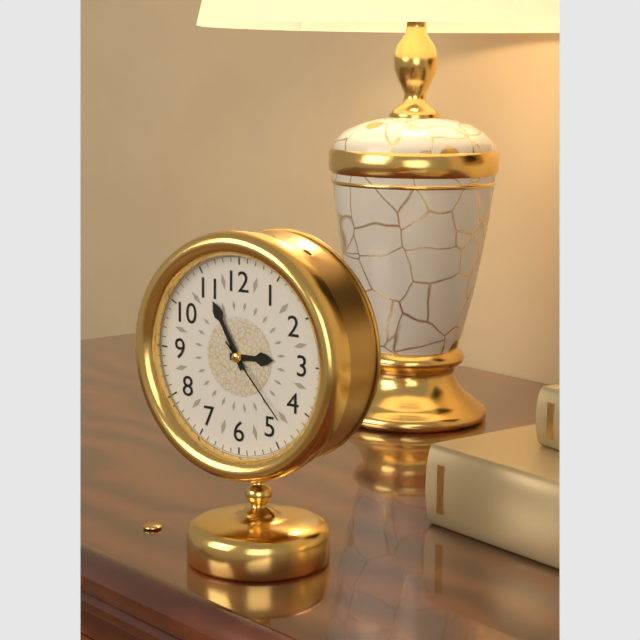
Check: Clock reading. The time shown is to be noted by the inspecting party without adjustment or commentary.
2:55:23
